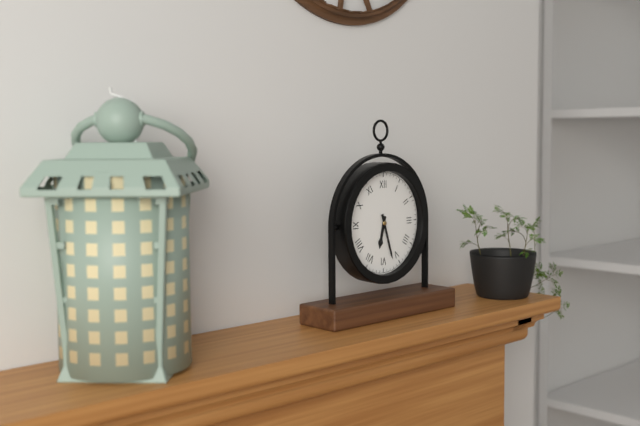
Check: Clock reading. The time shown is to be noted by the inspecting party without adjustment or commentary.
6:27
